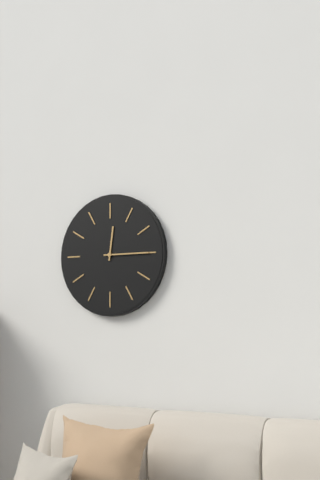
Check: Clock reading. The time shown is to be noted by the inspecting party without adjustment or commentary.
12:15
